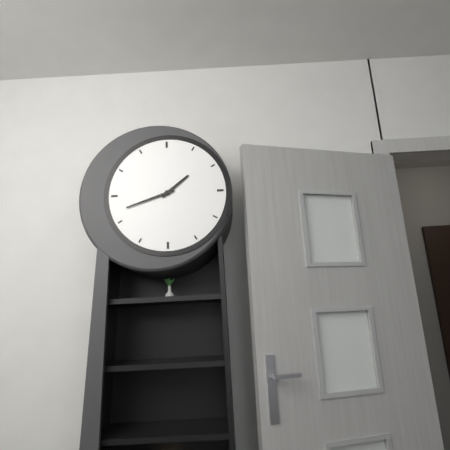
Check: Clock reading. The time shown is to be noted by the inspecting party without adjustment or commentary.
1:42
